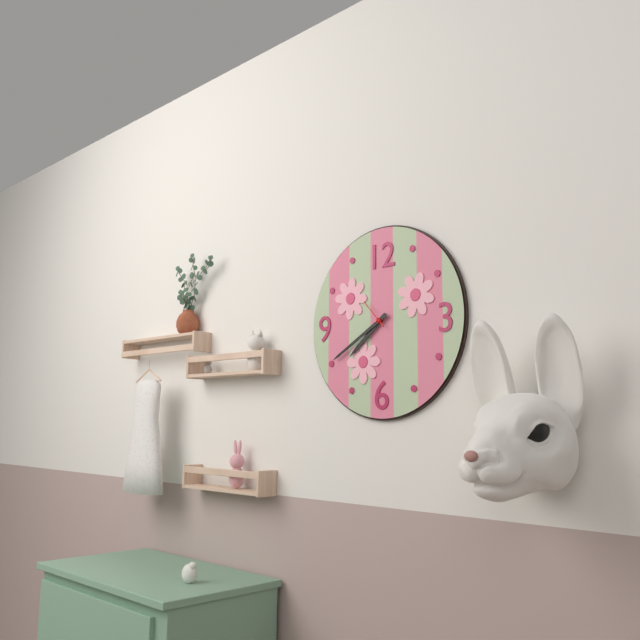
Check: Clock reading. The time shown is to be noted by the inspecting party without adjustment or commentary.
7:40
